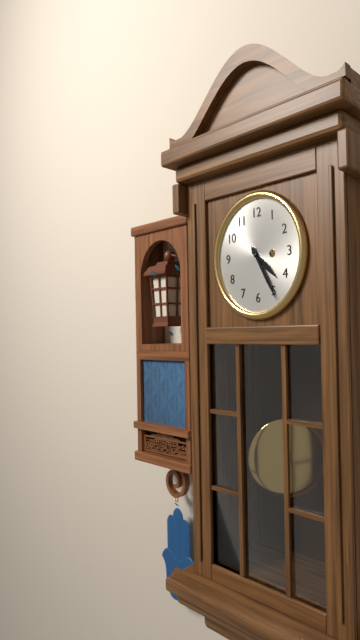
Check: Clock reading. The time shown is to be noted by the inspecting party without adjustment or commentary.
4:25
